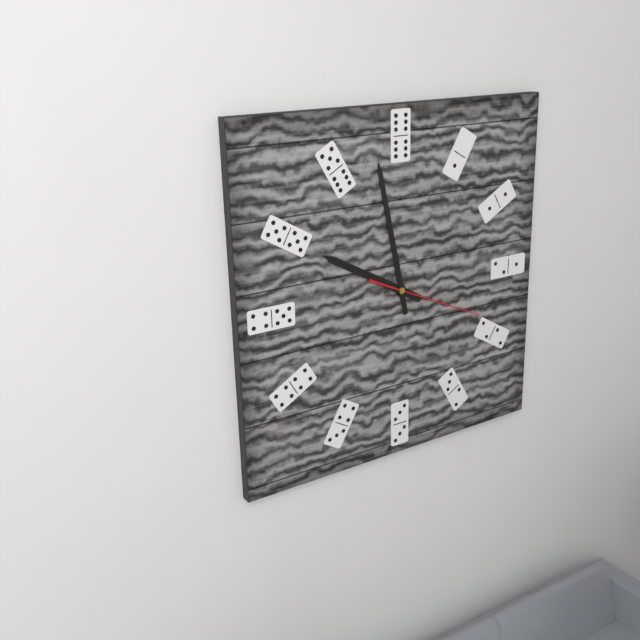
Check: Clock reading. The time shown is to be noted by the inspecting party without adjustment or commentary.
9:58:19
